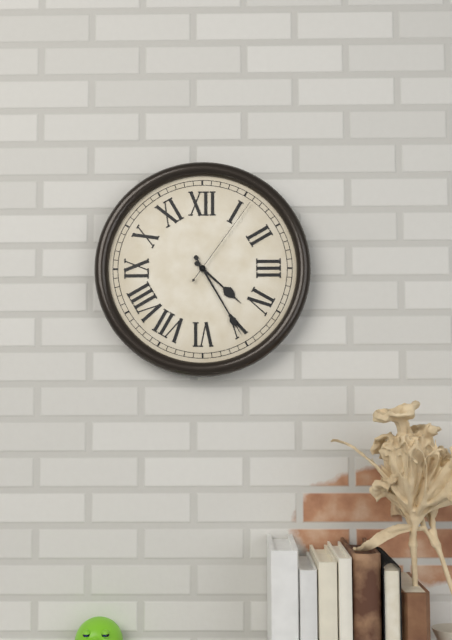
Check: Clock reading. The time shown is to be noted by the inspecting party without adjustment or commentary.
4:25:06
